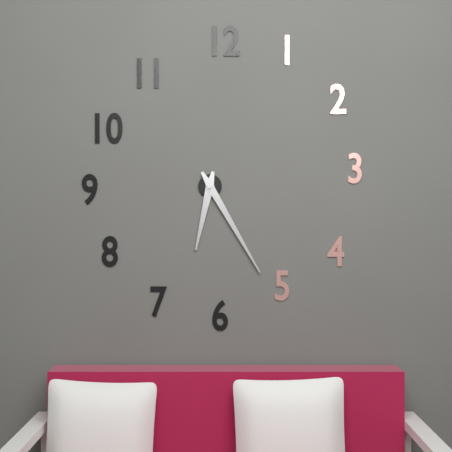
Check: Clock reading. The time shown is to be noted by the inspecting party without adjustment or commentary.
6:25
